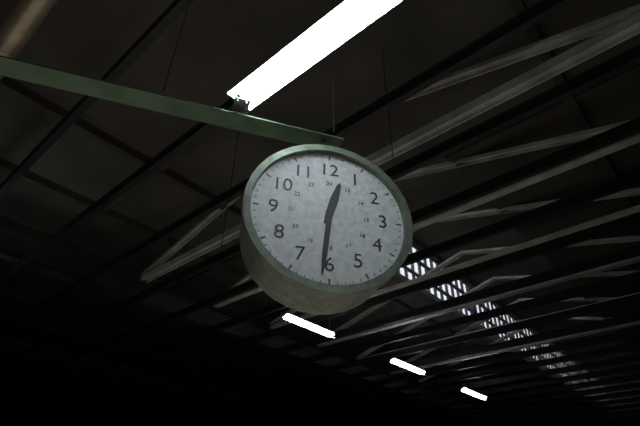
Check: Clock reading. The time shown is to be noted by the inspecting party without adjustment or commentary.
12:31
